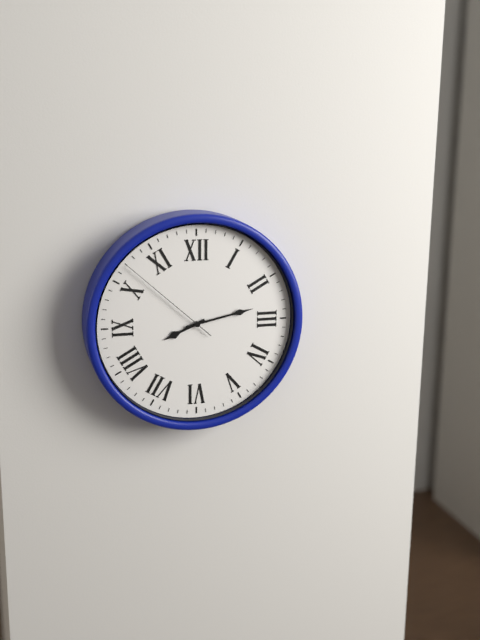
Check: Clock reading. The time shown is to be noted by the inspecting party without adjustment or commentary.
8:13:52
